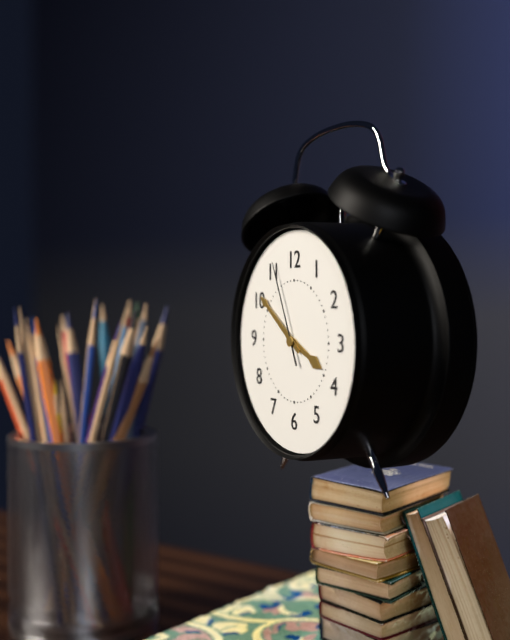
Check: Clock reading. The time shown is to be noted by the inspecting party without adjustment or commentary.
3:51:56
